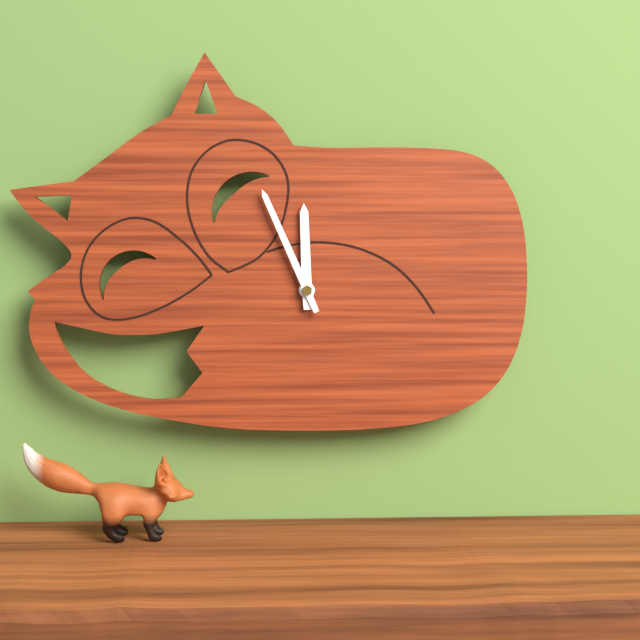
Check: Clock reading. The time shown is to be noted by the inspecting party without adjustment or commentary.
11:56
